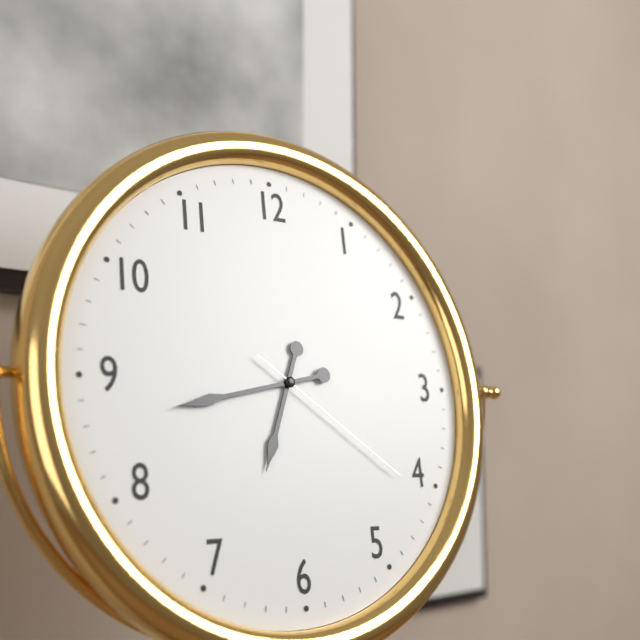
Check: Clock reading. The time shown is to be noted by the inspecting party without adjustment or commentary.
6:43:21
